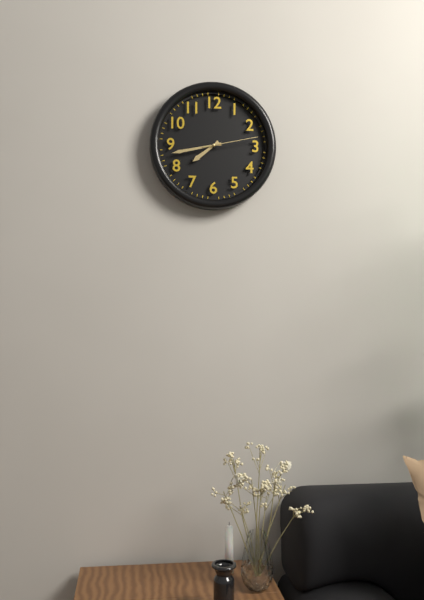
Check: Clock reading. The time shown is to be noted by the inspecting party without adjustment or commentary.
7:43:13
